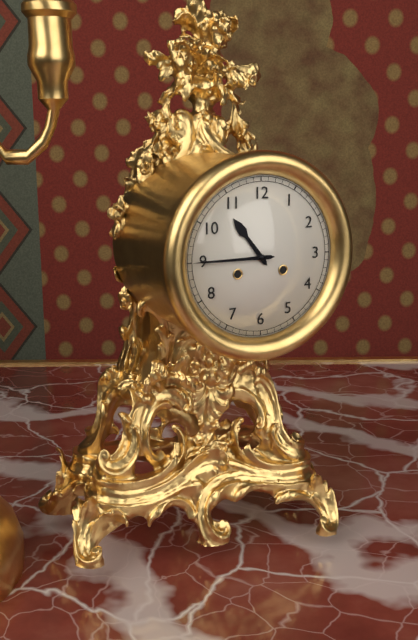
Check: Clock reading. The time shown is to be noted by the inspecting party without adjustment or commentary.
10:45
